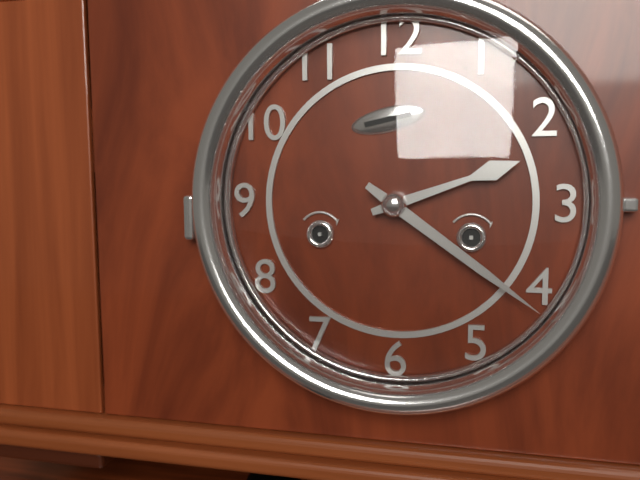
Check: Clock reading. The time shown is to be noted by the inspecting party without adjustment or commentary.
2:21
